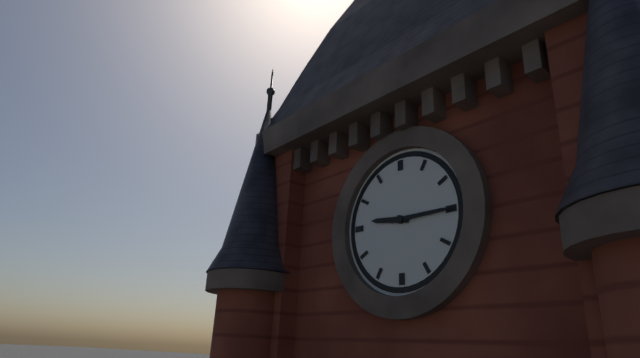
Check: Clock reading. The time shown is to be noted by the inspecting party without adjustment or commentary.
9:15
